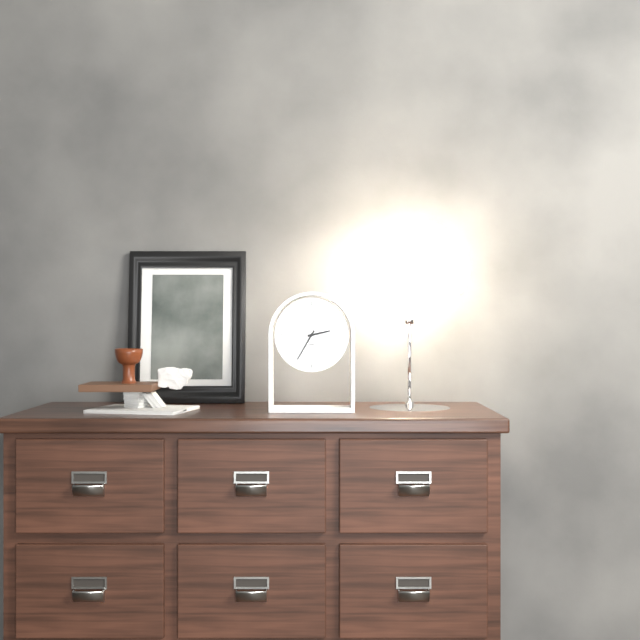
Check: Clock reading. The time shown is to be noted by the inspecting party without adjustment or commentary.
2:35
